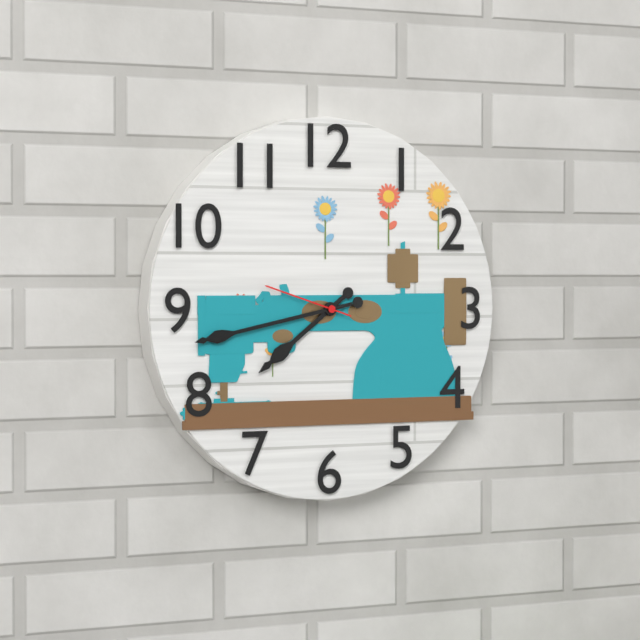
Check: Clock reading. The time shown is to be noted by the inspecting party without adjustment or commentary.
7:43:48
